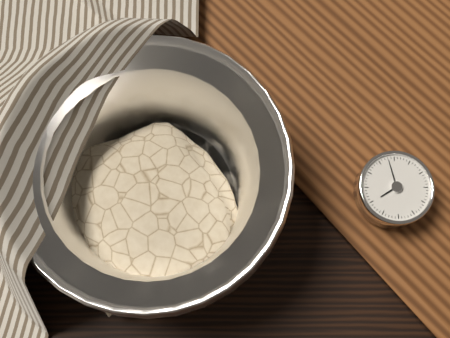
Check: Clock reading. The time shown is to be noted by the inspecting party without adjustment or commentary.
7:58
